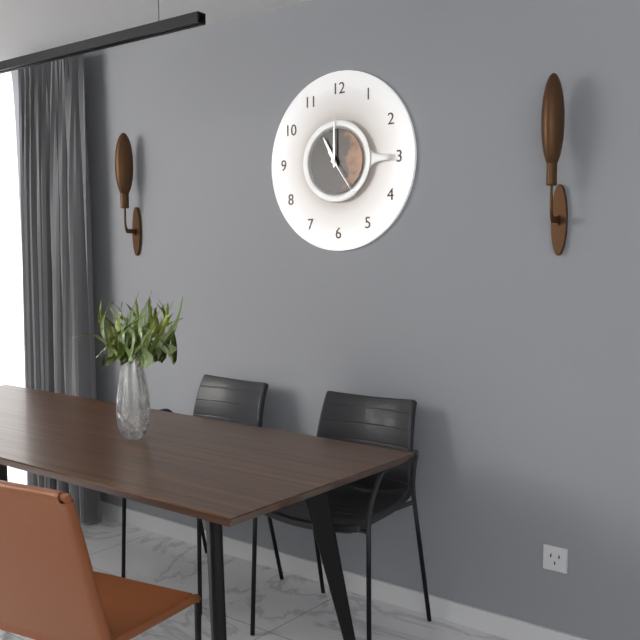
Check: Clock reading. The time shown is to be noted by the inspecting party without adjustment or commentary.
11:00:24
